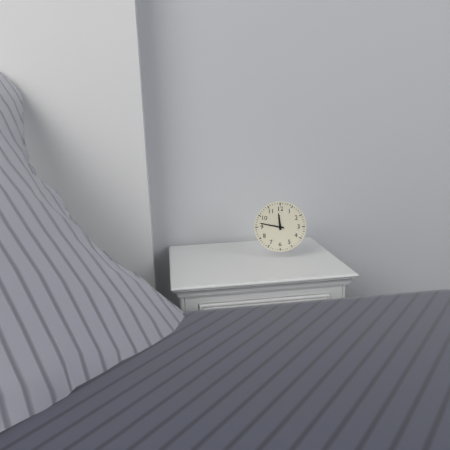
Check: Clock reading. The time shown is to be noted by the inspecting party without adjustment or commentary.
11:47
